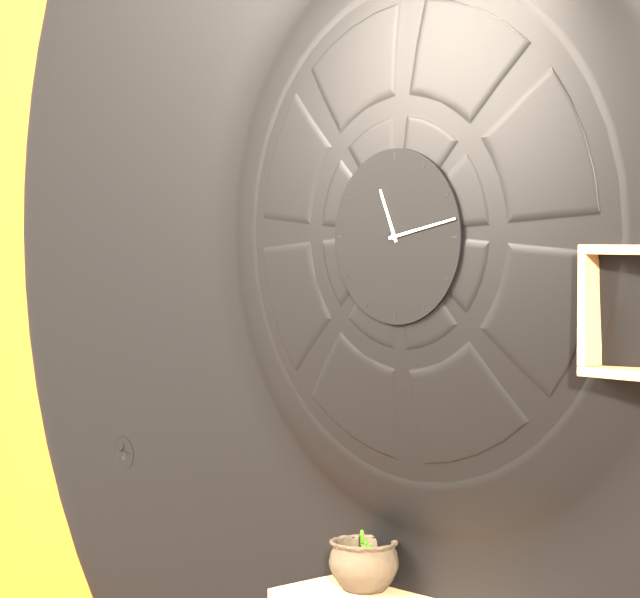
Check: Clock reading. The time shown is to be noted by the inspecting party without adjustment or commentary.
11:13
